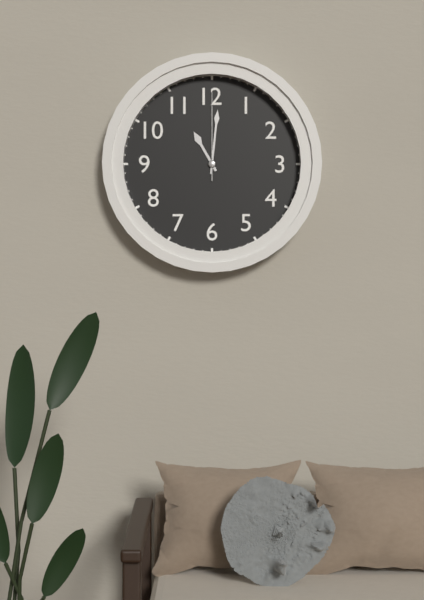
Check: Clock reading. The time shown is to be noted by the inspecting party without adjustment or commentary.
11:01:00
